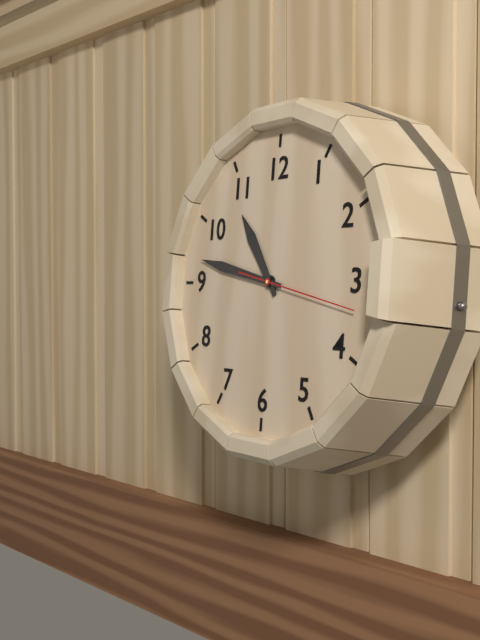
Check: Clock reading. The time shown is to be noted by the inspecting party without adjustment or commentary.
10:47:17
